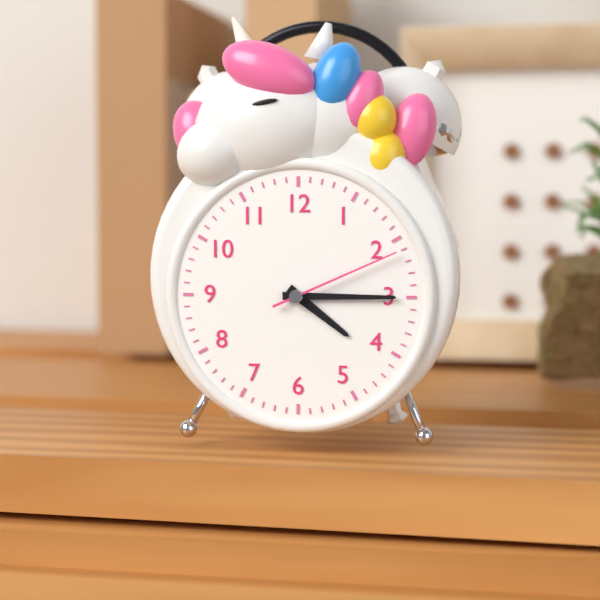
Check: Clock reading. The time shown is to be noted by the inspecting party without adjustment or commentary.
4:15:11
